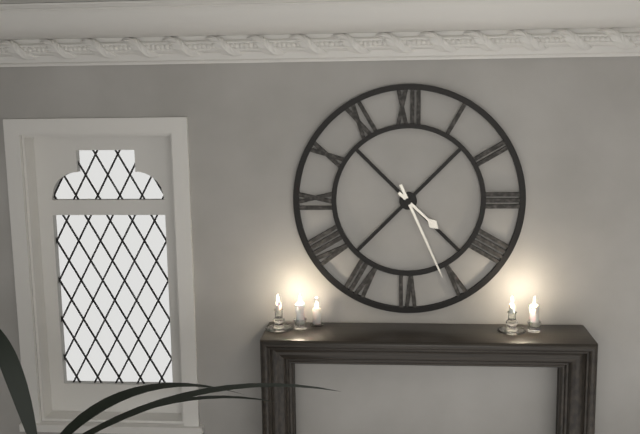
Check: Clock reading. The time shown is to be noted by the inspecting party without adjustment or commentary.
4:26
